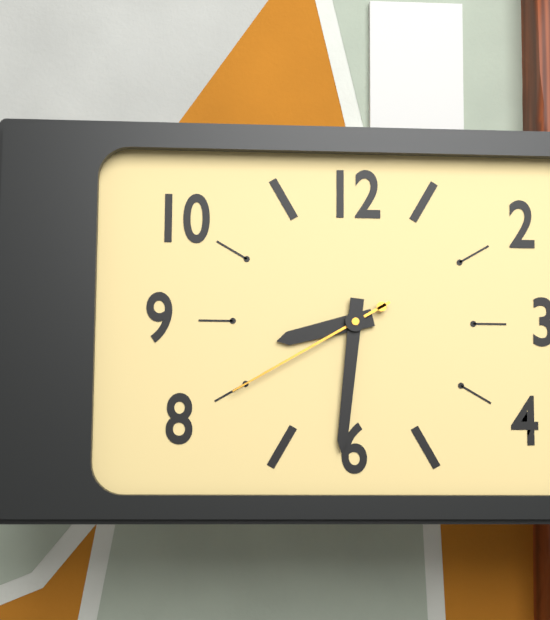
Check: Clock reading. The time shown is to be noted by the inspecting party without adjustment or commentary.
8:31:40
